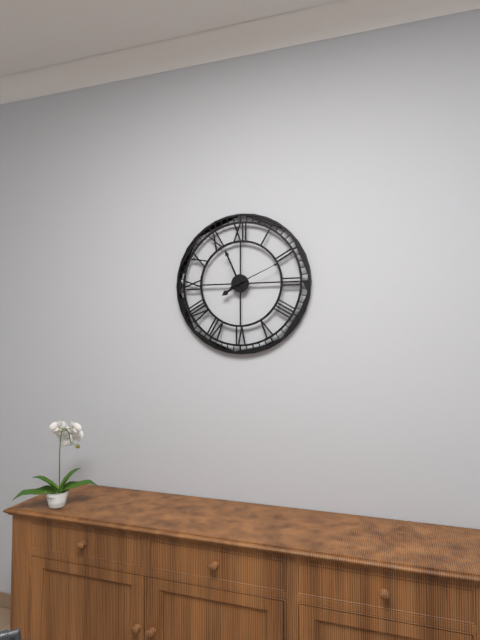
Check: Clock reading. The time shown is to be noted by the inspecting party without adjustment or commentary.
7:56:11
